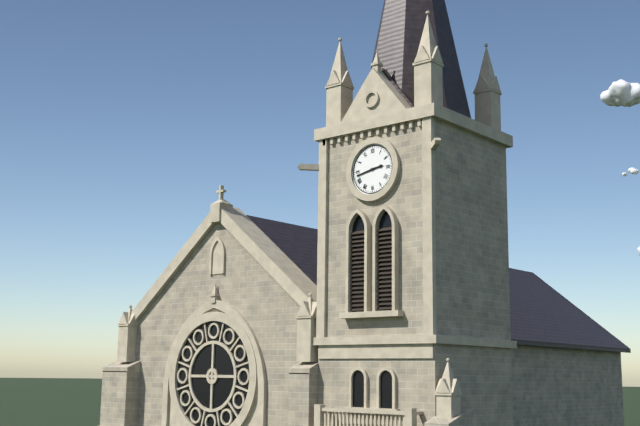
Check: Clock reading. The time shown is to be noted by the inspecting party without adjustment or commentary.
2:43
